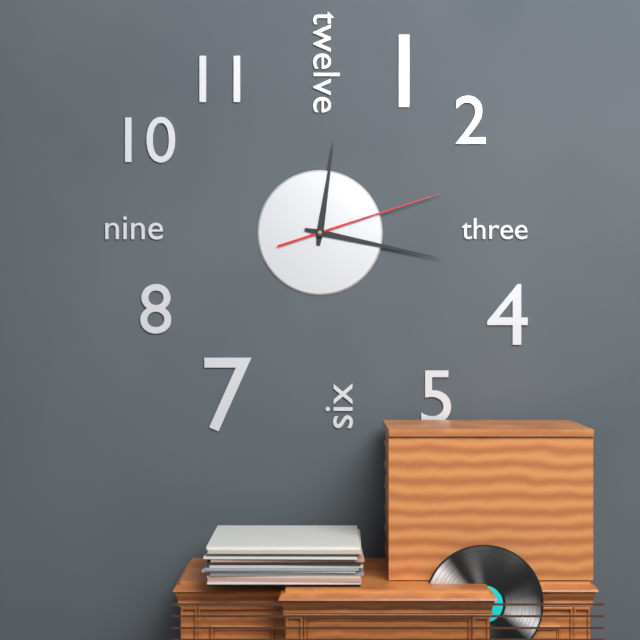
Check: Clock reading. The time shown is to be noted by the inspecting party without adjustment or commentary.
12:17:12
